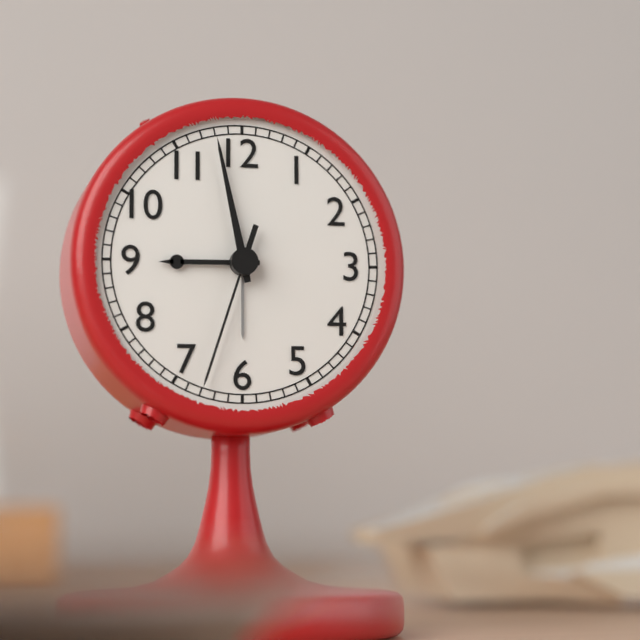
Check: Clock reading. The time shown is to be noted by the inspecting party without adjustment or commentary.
8:58:33
